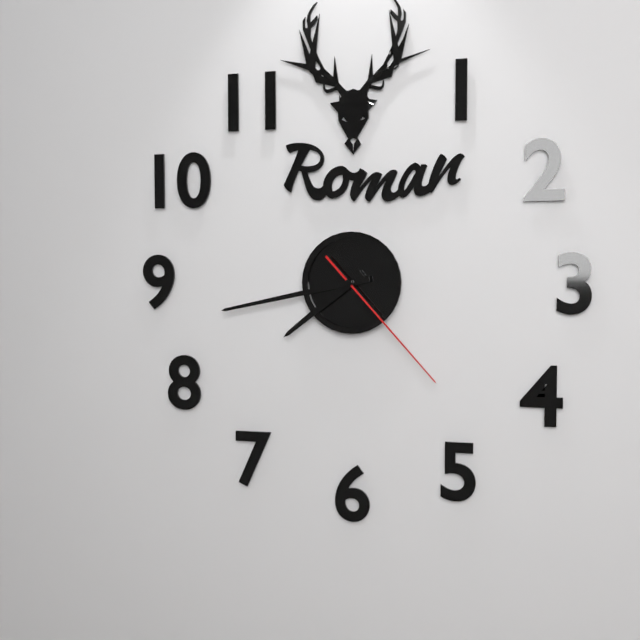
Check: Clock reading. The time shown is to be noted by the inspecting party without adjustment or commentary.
7:43:23
